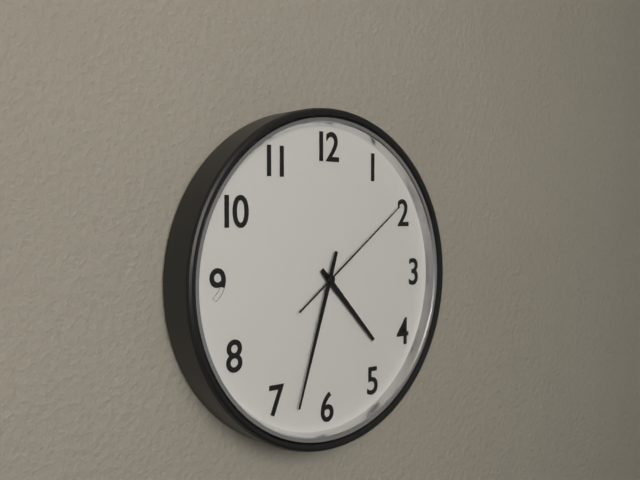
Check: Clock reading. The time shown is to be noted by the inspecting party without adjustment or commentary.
4:33:09
